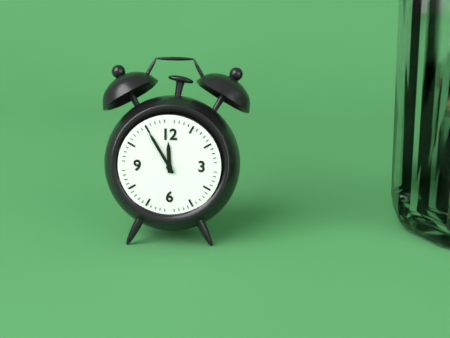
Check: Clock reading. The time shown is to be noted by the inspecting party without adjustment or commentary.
11:55
